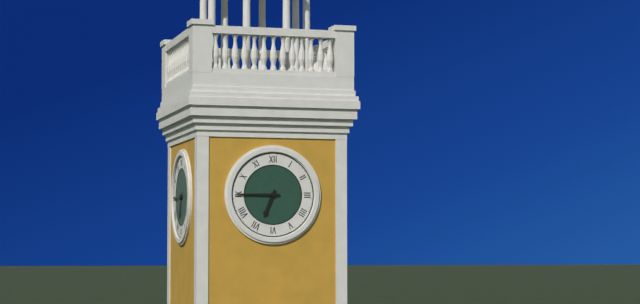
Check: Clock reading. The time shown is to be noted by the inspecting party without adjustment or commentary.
6:45
